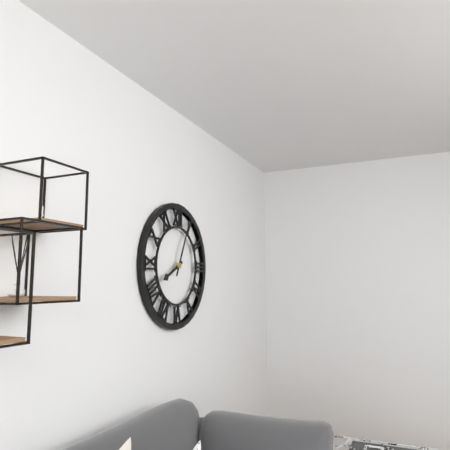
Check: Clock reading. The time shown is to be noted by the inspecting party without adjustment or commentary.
8:04
